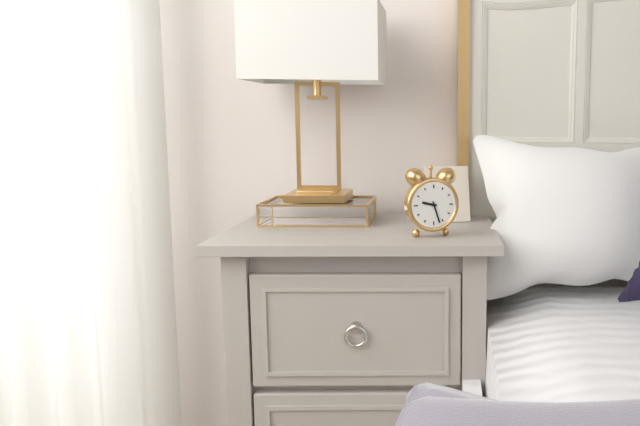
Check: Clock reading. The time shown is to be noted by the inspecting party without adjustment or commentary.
9:27
